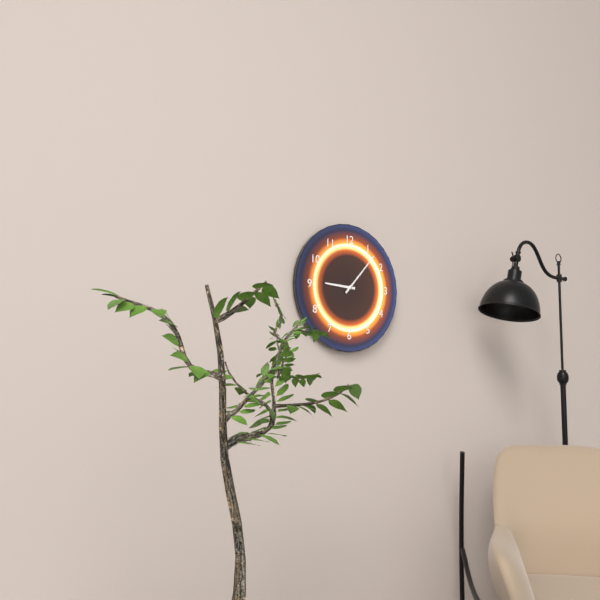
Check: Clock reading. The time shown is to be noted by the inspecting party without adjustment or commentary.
9:07
